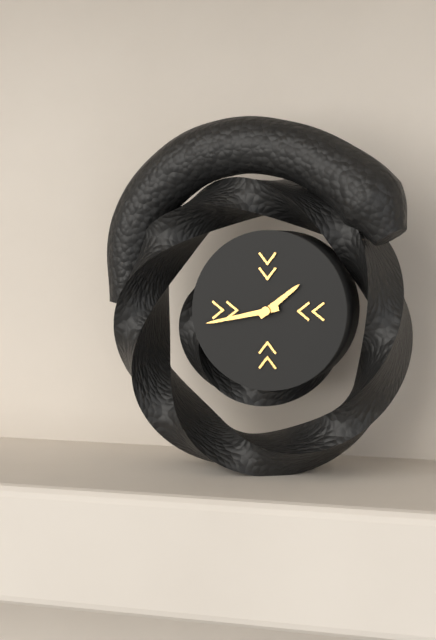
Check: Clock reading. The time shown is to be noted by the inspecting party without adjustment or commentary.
1:43
